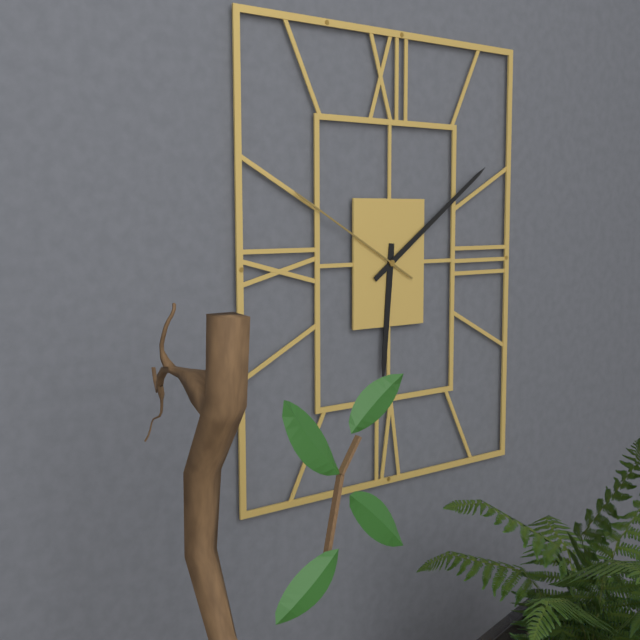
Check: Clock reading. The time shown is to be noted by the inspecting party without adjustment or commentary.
6:09:50
